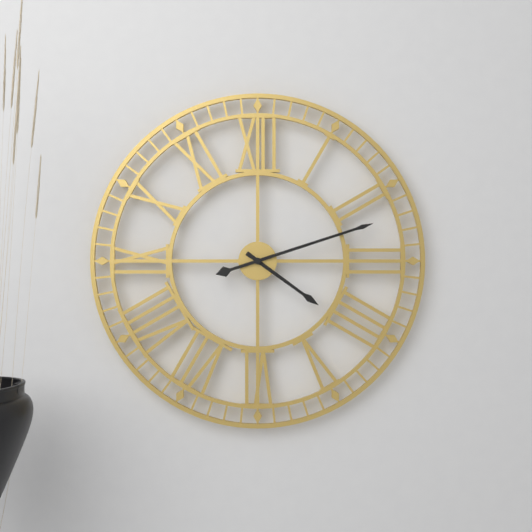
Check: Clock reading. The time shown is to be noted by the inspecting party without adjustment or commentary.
4:12
